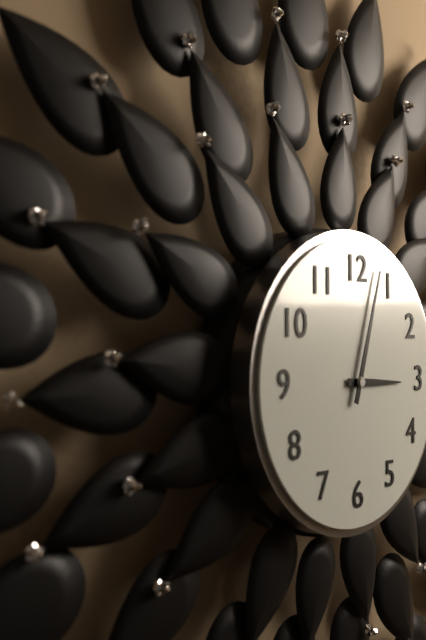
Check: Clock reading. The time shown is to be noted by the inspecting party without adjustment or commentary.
3:03
